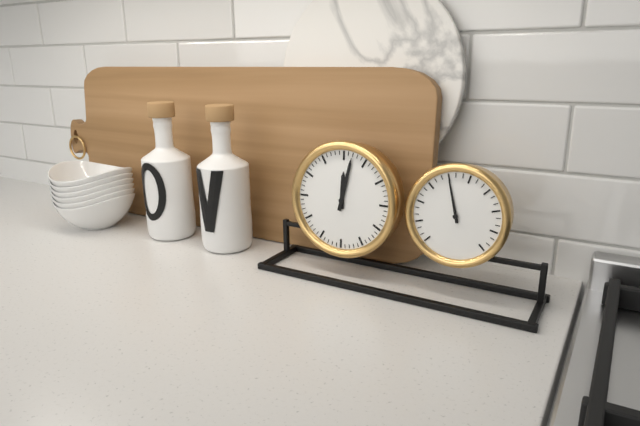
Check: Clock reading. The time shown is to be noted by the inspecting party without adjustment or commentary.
12:02
